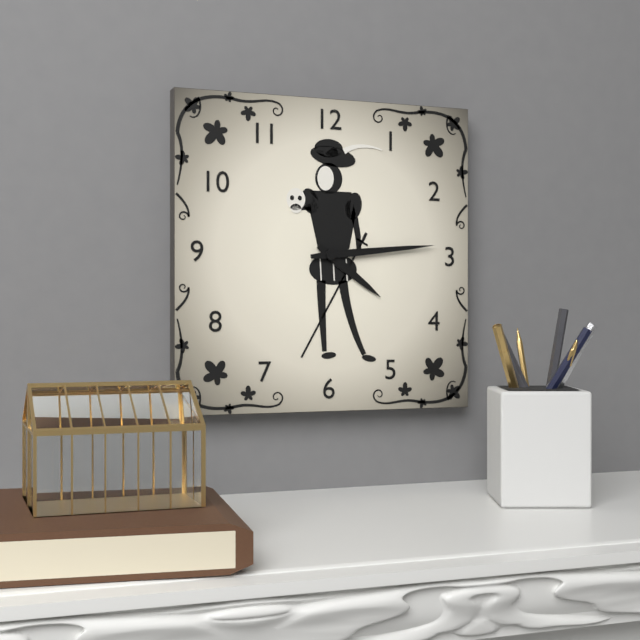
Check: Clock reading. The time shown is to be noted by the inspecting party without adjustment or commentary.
4:14
